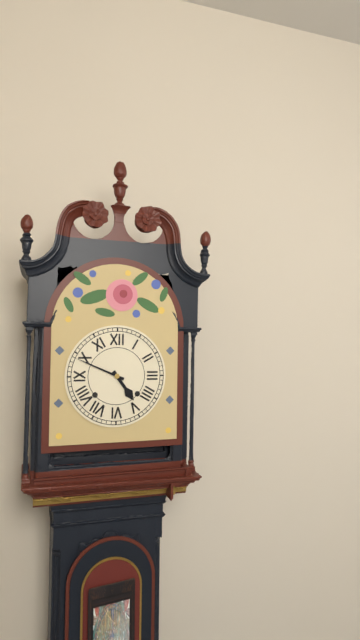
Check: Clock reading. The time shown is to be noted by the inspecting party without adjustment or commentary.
4:49
